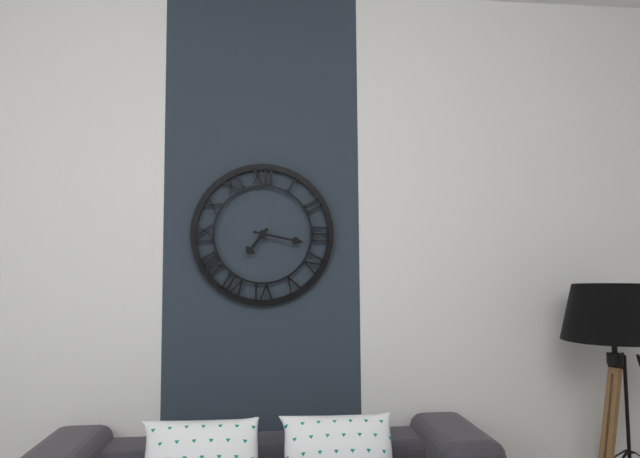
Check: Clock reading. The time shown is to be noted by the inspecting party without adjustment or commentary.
7:17
